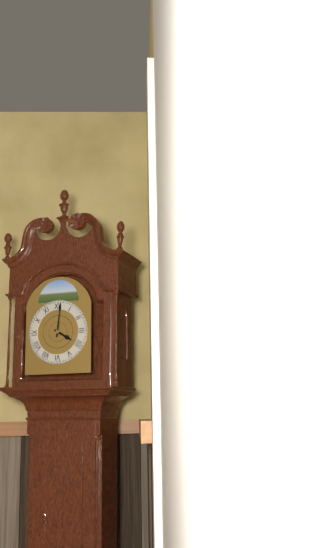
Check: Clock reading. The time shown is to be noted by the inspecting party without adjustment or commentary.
4:01
